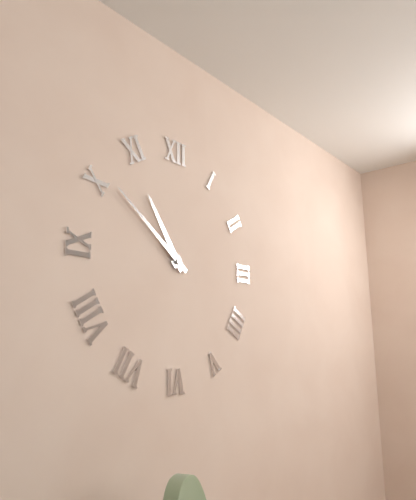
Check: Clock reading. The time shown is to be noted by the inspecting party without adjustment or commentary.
10:51
